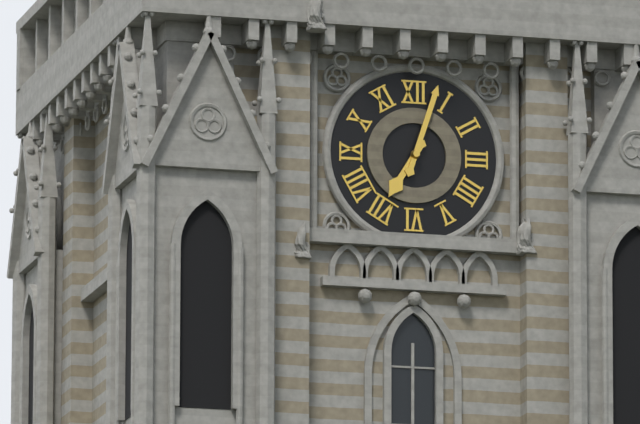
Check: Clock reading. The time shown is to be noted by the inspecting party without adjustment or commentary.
7:03
